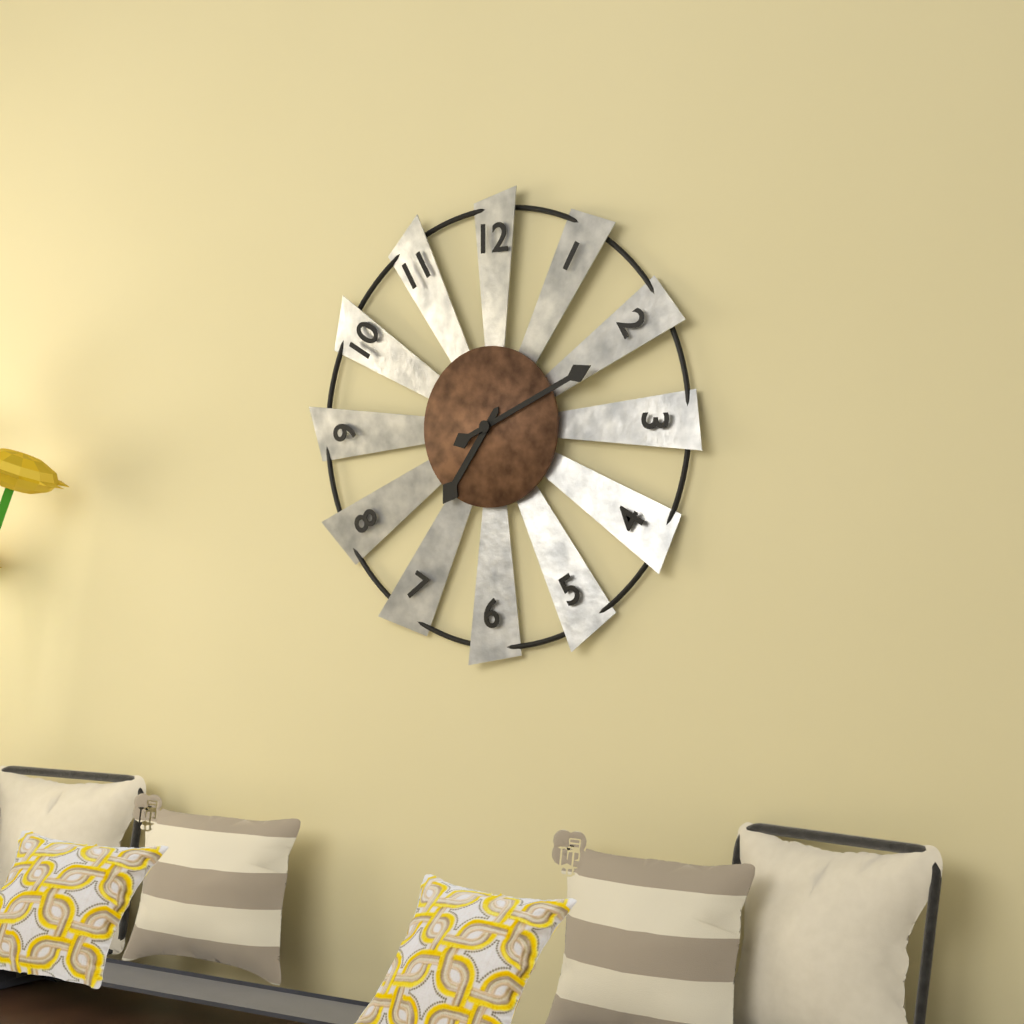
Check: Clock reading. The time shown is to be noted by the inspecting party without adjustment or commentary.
7:11
